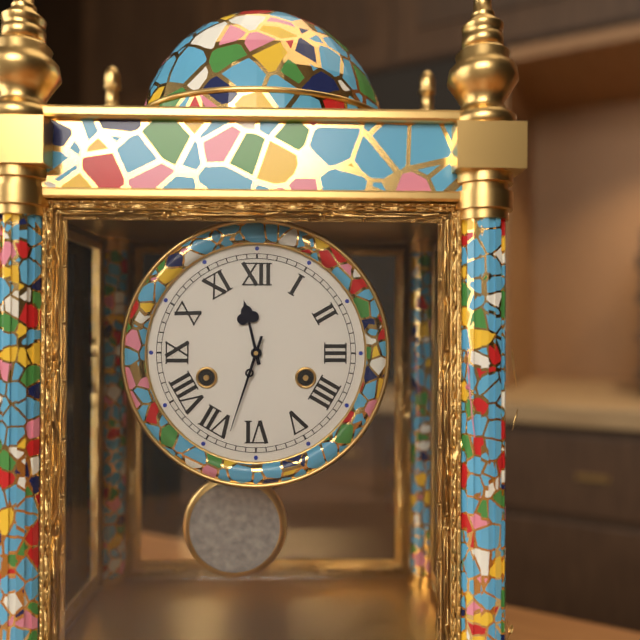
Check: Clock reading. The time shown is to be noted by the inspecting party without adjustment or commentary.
11:33
